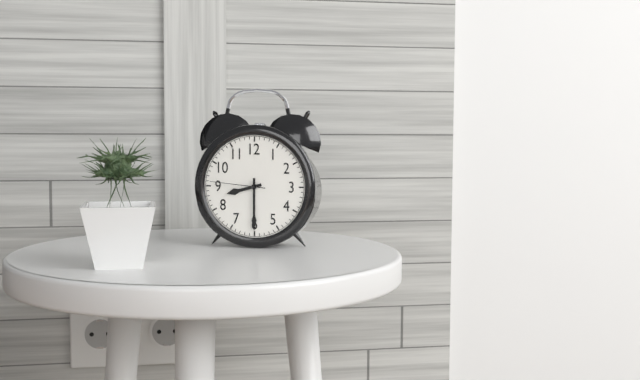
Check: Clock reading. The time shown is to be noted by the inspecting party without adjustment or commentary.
8:30:46
